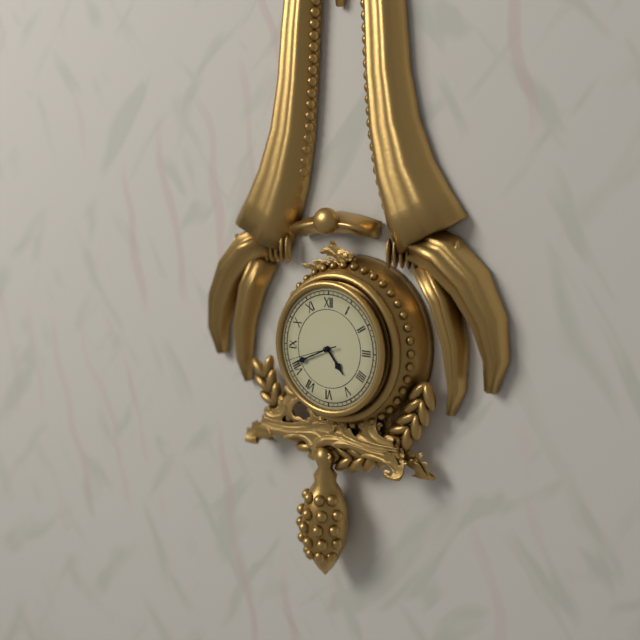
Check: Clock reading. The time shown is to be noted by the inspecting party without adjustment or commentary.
4:41
